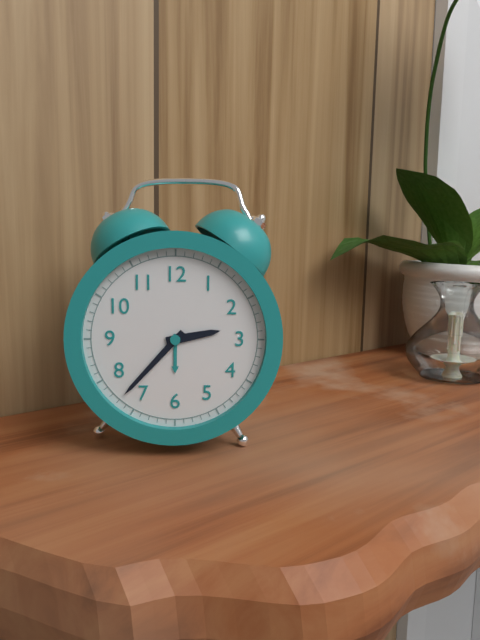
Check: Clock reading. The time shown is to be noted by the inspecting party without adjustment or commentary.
2:37
